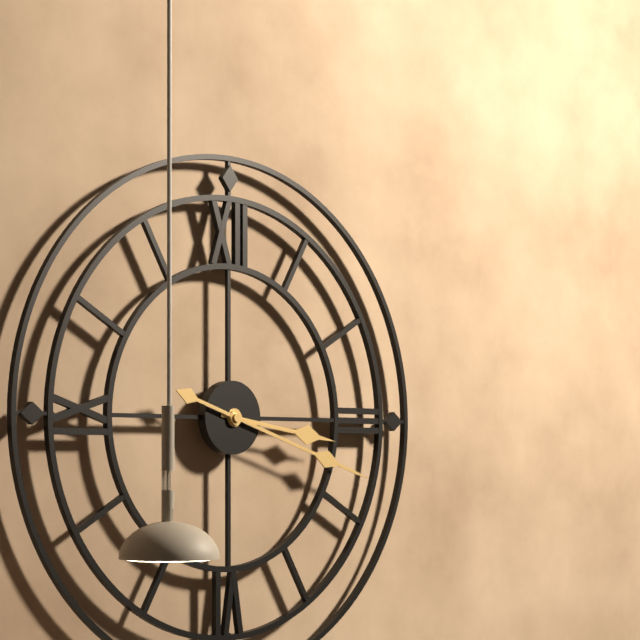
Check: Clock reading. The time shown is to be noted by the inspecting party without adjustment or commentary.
3:18
